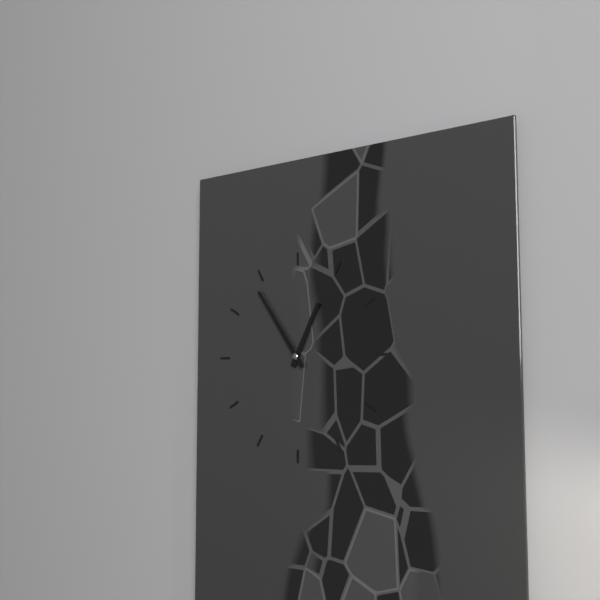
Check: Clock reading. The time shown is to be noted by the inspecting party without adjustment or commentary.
12:54
